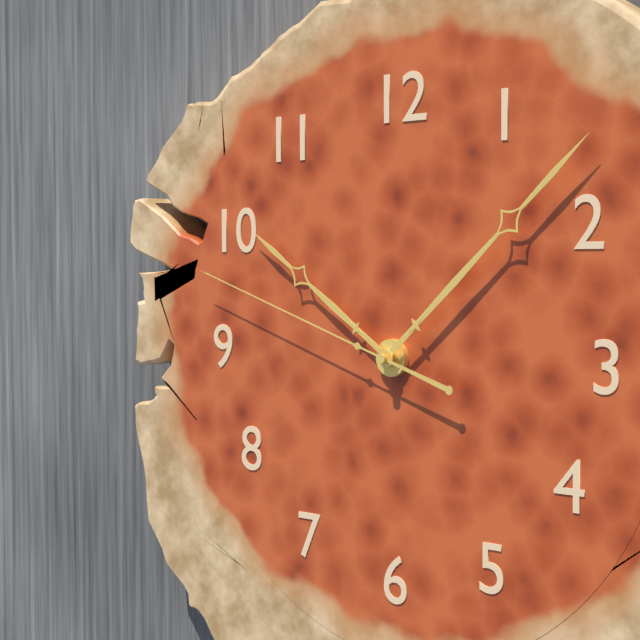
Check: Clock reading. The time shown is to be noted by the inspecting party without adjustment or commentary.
10:08:48
